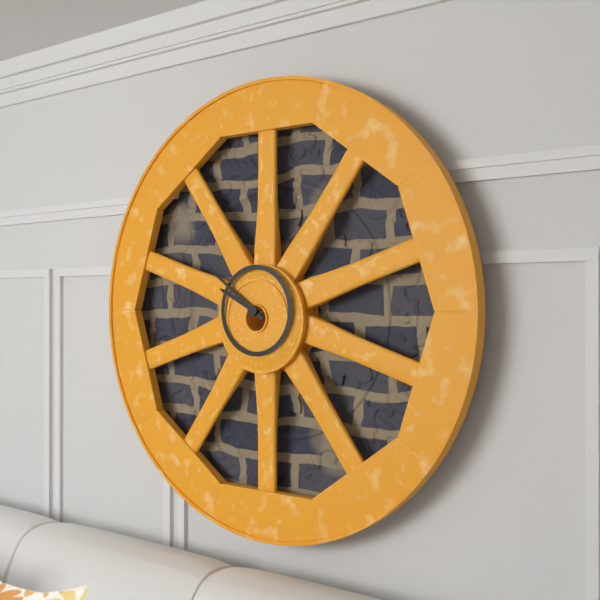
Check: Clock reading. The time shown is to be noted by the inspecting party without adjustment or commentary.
9:51
